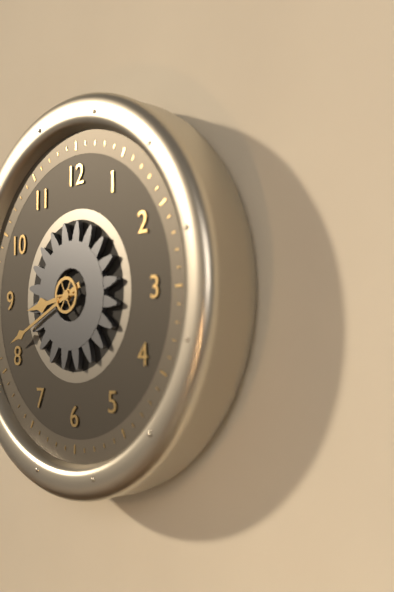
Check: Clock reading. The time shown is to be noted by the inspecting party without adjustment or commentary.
8:41
